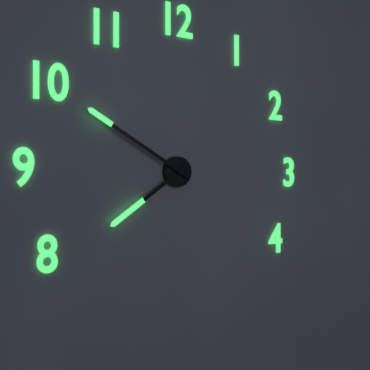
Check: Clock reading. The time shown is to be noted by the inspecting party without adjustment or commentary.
7:50
